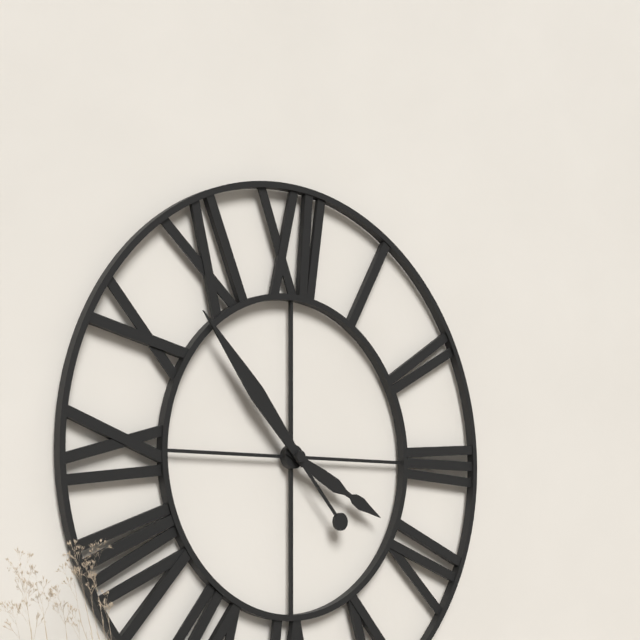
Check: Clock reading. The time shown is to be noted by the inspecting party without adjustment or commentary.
3:53
